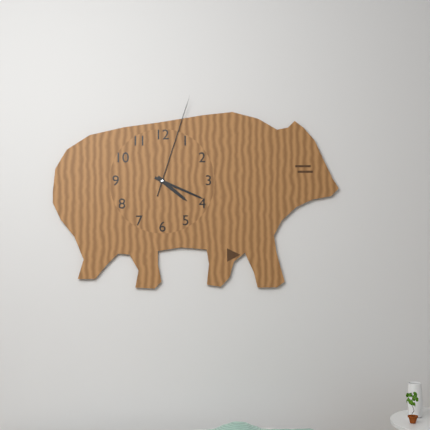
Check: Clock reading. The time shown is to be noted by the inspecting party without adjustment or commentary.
4:19:03
